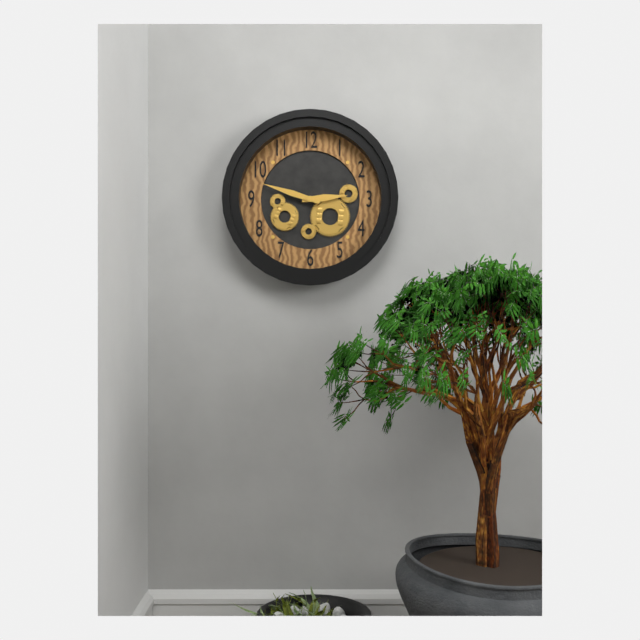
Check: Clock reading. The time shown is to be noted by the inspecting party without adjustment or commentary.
2:48
